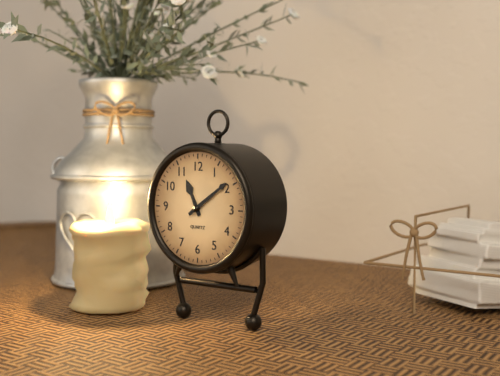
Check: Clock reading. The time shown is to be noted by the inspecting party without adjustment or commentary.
11:09
